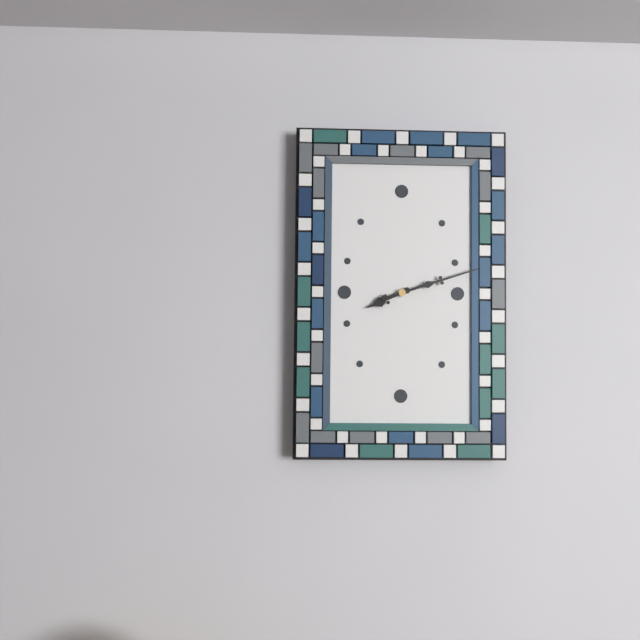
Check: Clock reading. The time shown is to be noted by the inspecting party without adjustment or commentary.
8:12
